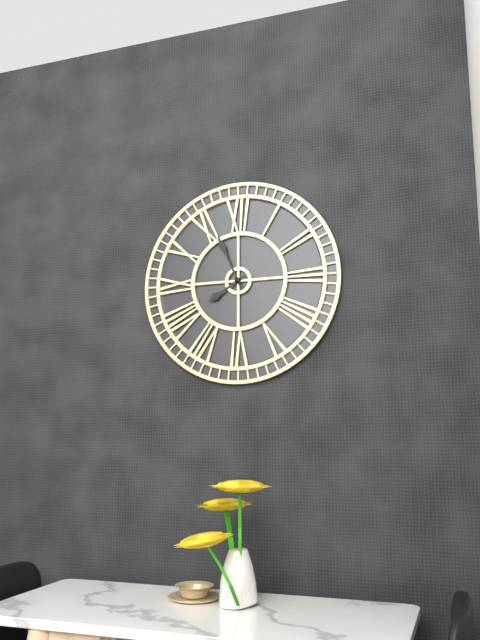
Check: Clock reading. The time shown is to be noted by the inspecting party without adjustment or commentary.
7:56
